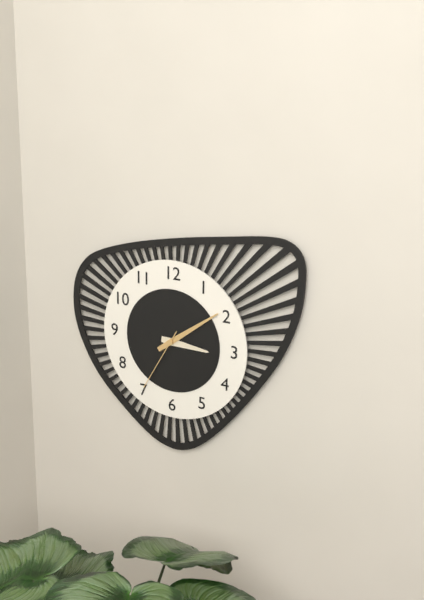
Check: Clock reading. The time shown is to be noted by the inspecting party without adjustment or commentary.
3:09:35
